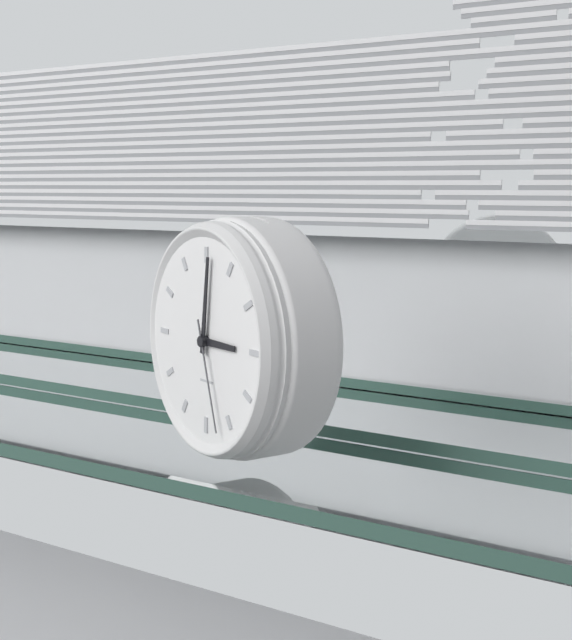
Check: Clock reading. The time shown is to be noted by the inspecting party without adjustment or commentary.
3:01:27
